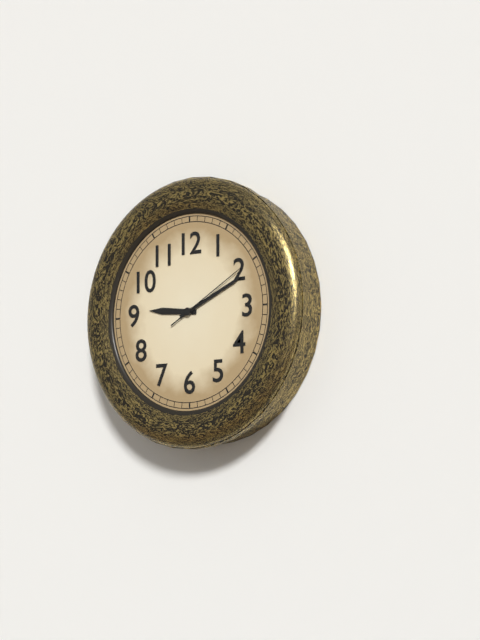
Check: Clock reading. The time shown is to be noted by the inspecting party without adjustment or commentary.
9:11:10
